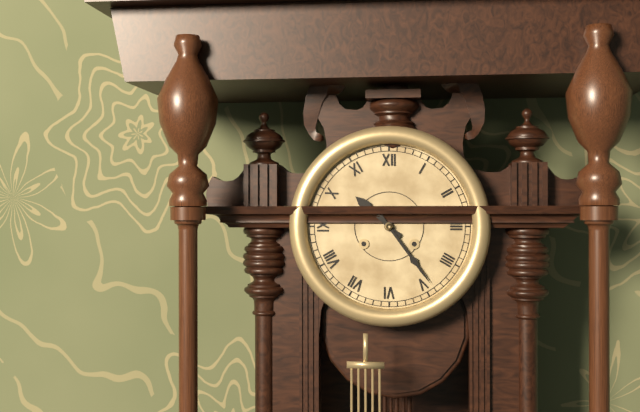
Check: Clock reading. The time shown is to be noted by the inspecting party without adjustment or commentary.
10:24
